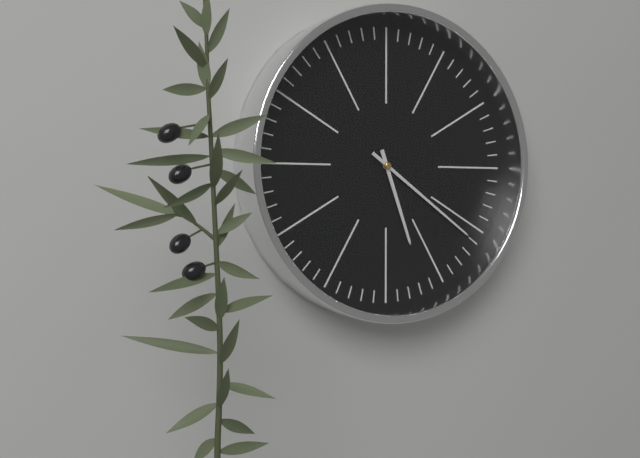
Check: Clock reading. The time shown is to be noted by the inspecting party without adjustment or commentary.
5:21
